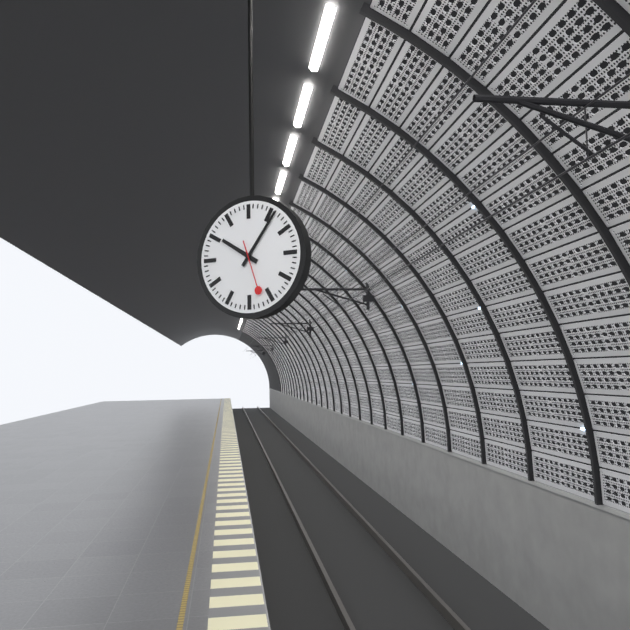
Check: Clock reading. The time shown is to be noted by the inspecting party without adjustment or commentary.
10:06:27
